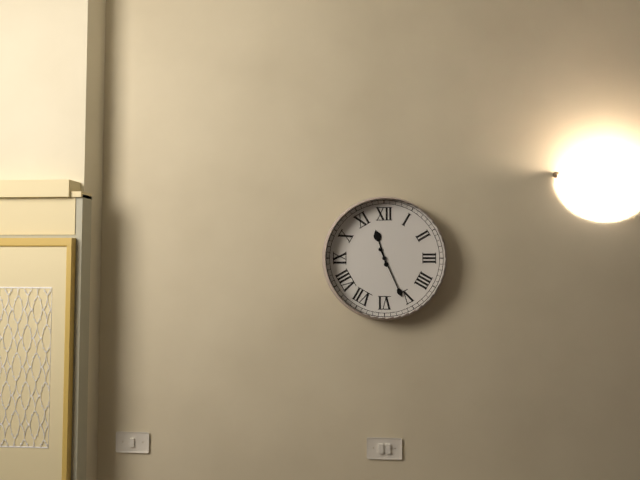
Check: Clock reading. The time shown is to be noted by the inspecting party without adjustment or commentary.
11:26
